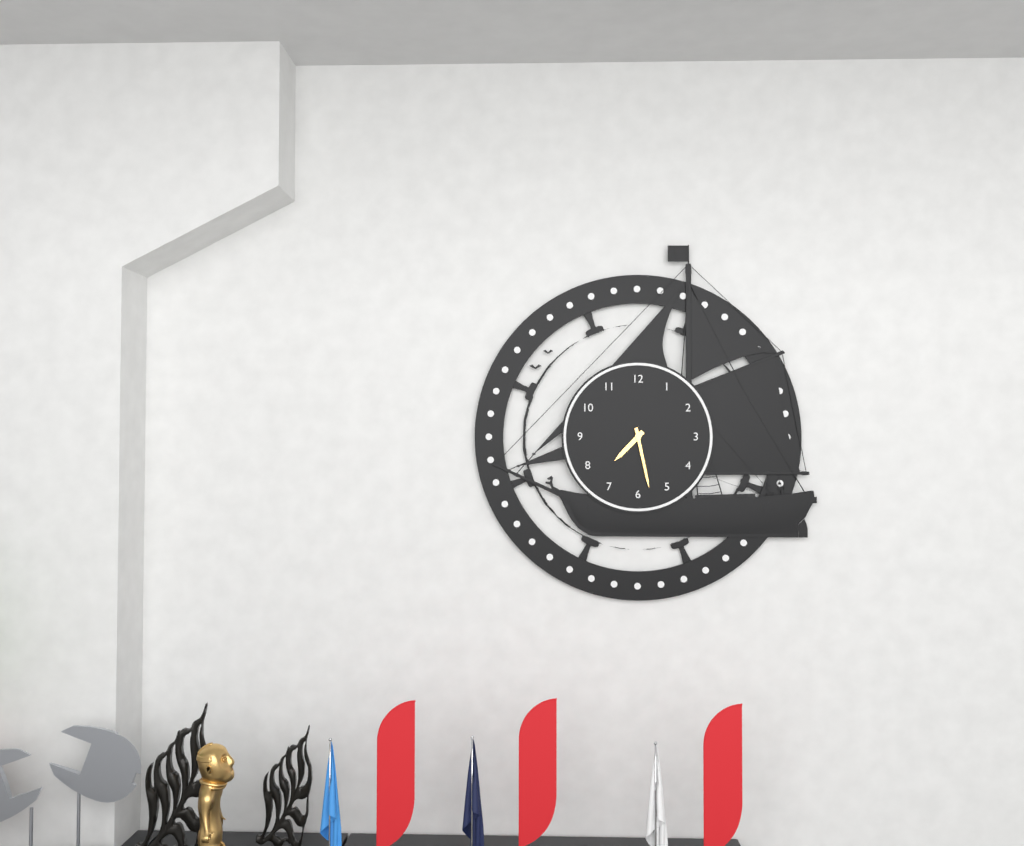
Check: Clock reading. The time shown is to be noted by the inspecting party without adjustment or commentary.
7:28
